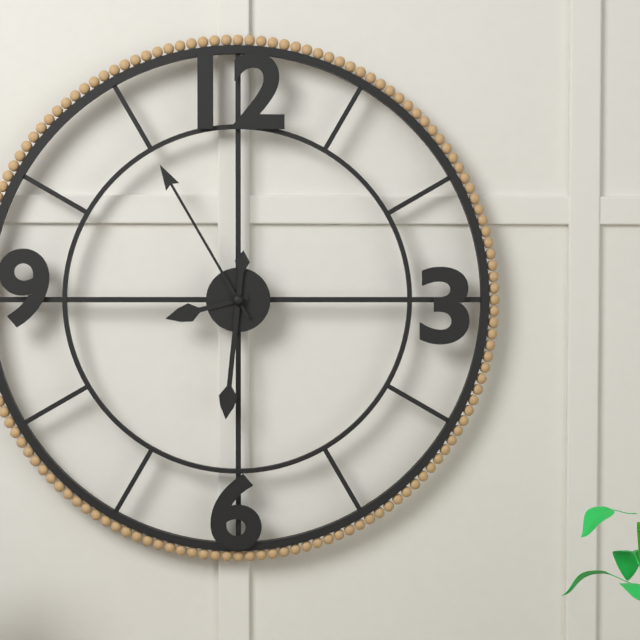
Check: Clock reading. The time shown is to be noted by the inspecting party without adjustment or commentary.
8:31:55
